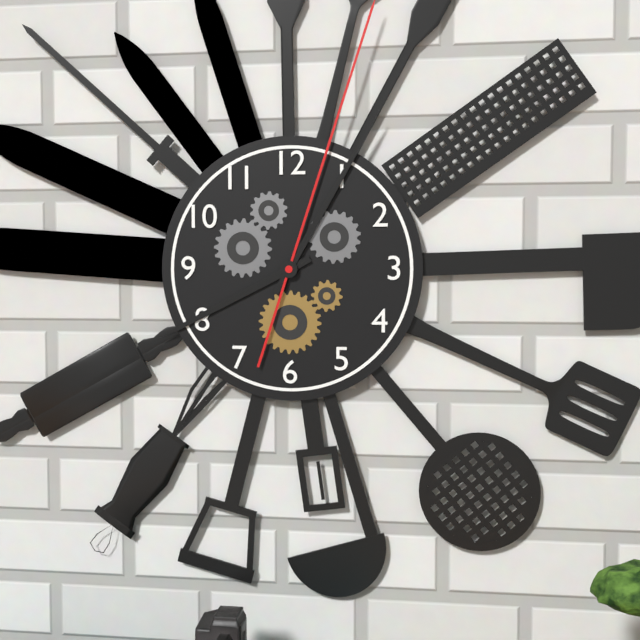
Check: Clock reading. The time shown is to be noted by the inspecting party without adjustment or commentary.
8:05
